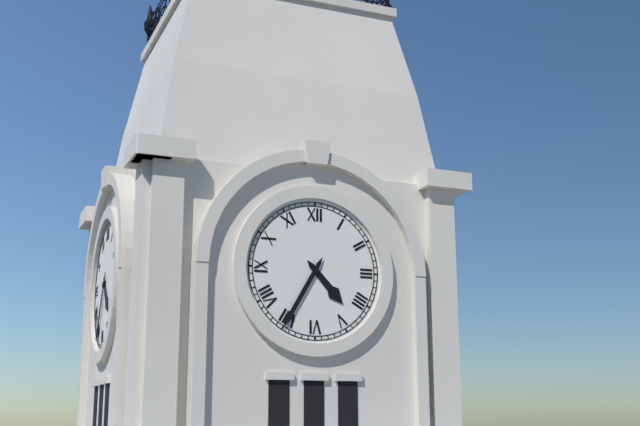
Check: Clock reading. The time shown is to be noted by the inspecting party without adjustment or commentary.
4:35
